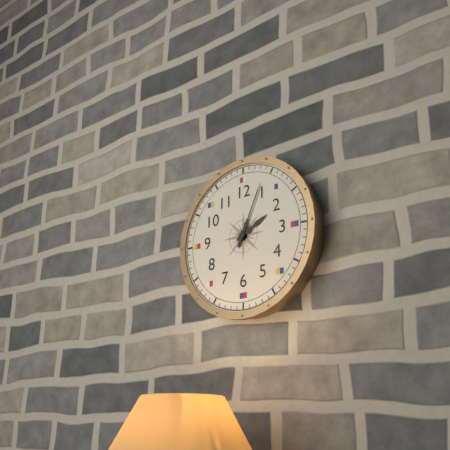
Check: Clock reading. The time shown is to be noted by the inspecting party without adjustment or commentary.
2:04
